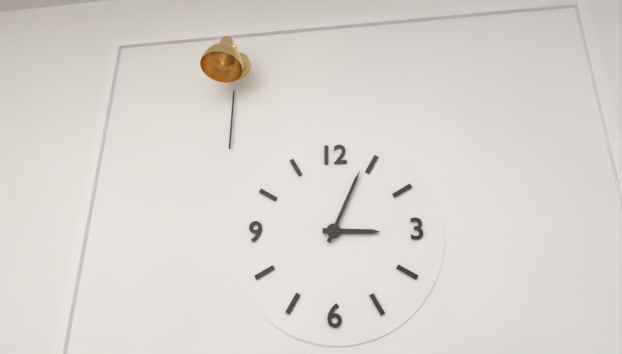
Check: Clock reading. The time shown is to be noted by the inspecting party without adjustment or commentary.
3:04
